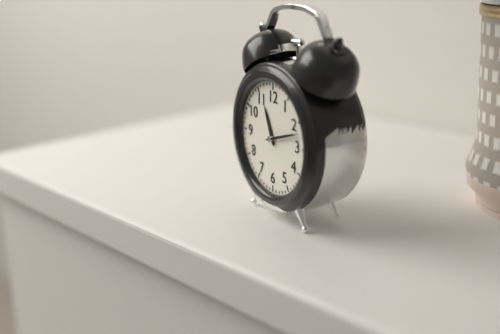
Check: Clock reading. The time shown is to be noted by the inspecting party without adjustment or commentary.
11:12
